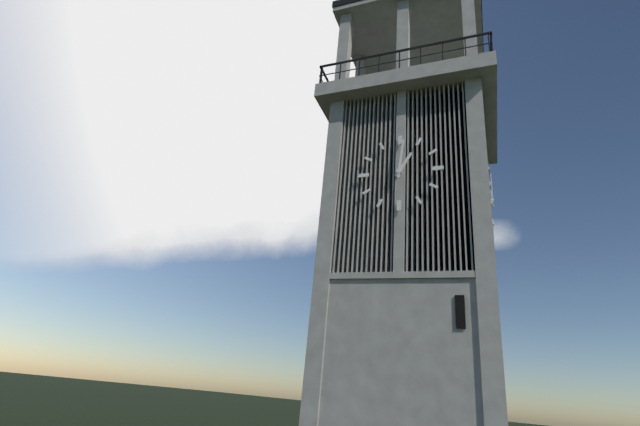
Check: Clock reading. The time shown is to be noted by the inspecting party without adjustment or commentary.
1:01
